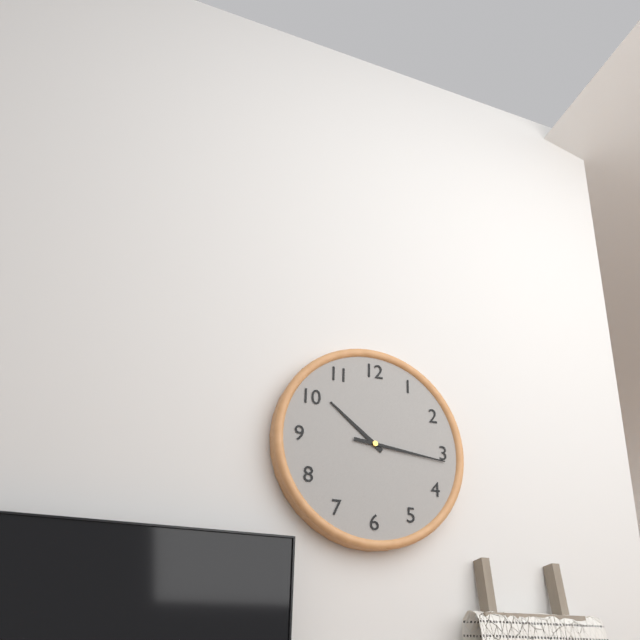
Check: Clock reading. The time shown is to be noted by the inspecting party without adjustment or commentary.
10:16
